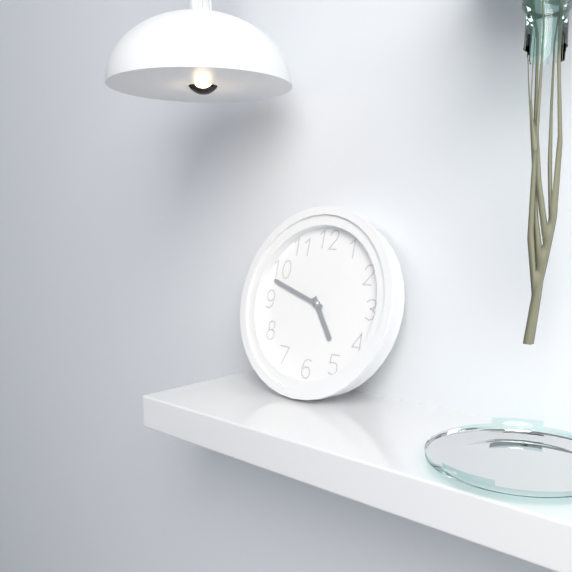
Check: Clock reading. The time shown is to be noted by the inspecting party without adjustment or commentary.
4:48
